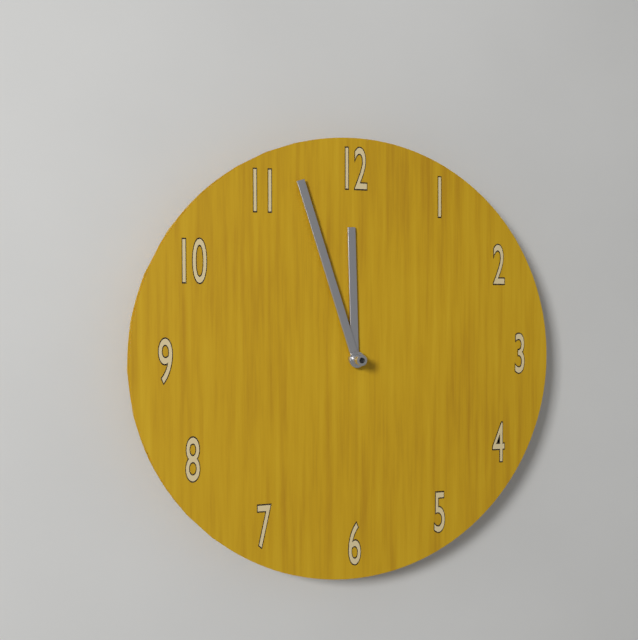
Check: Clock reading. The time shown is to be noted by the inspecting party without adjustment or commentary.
11:57
